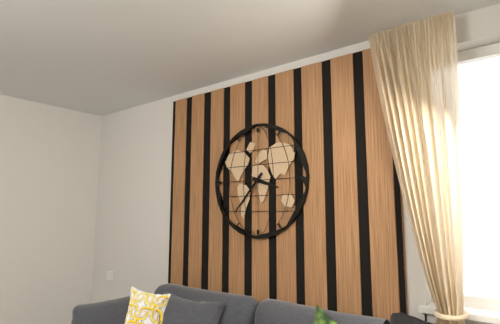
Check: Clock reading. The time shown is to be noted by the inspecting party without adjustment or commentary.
3:37
